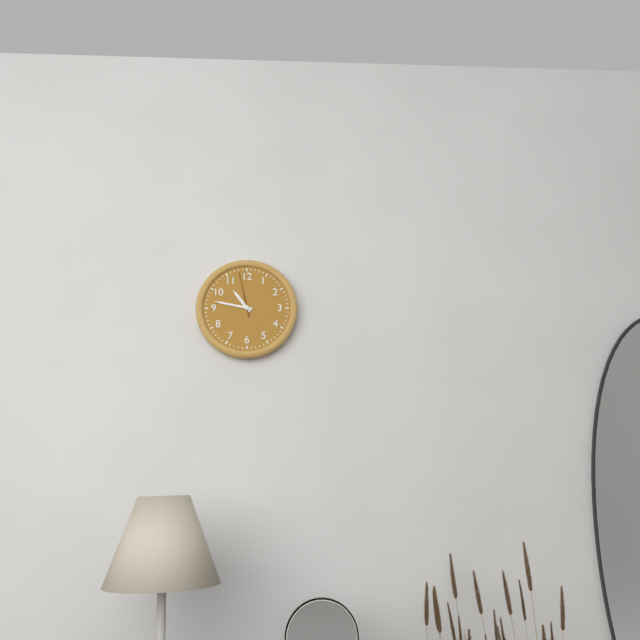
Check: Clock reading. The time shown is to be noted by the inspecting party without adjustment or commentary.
10:47
